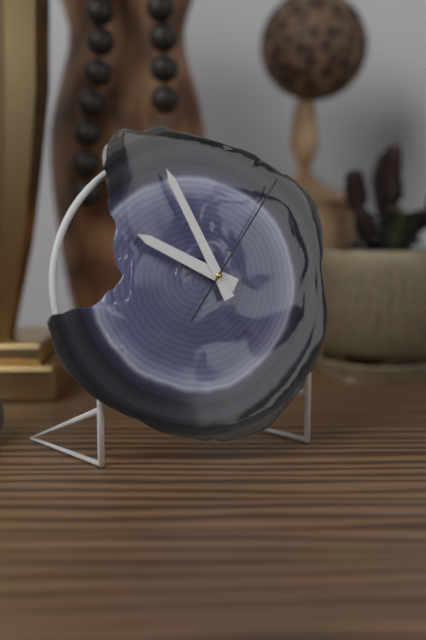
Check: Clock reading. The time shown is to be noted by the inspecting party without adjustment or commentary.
9:56:06
